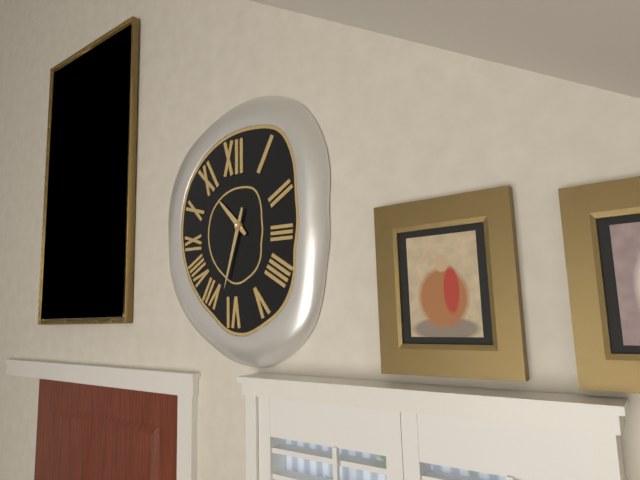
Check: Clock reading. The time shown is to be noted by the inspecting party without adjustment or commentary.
10:33
